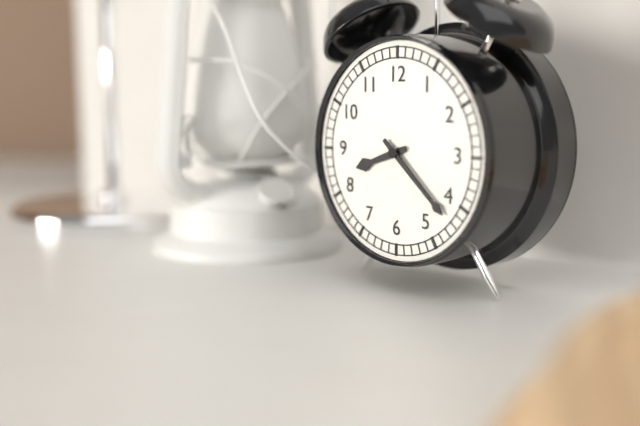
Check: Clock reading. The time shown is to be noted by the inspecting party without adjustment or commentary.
8:22
